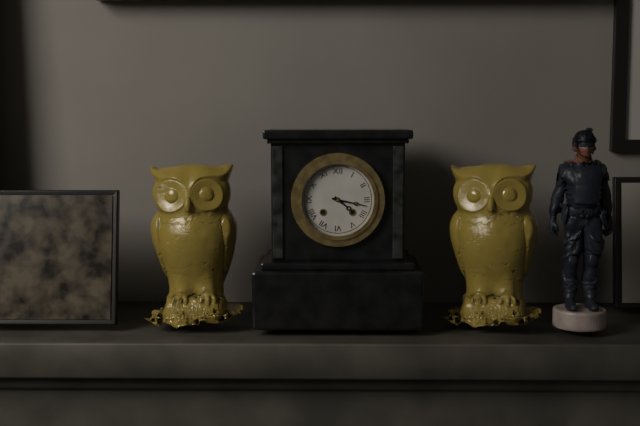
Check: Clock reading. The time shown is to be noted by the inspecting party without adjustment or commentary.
4:17
